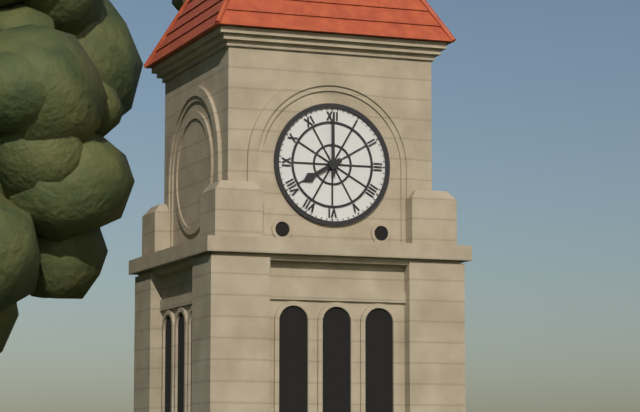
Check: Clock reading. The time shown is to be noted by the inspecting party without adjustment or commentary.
8:00
